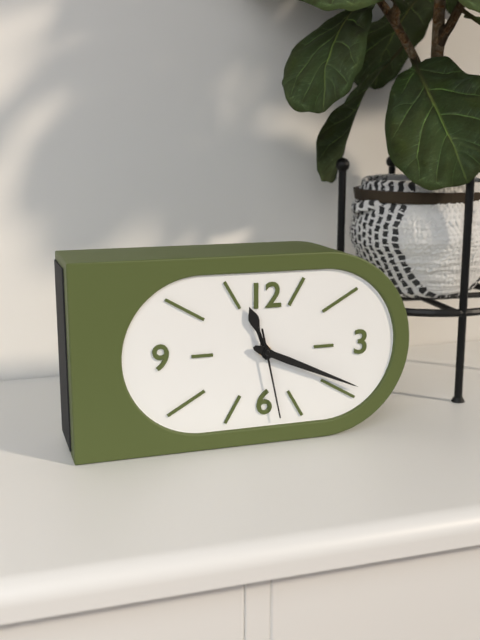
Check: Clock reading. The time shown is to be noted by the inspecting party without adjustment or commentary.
11:19:28
